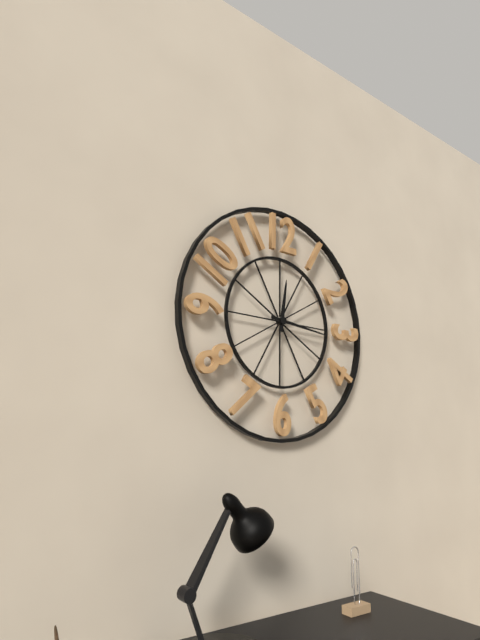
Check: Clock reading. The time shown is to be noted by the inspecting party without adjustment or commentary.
12:16
